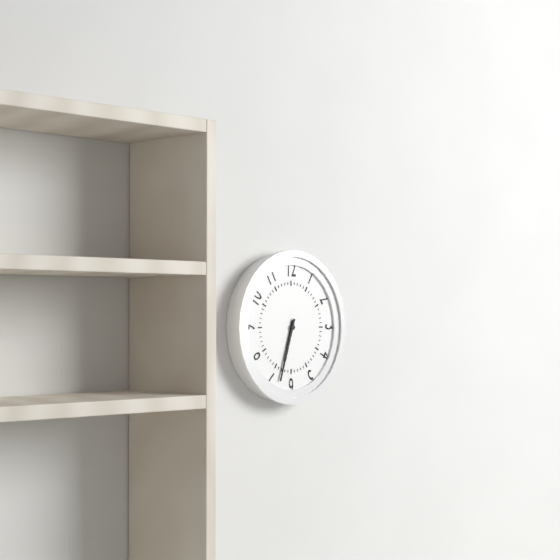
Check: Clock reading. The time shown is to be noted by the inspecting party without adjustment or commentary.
6:33
